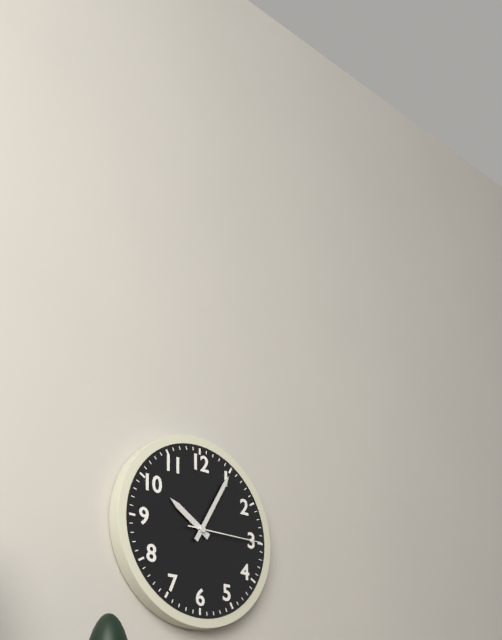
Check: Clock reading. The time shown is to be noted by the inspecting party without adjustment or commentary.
10:05:15
